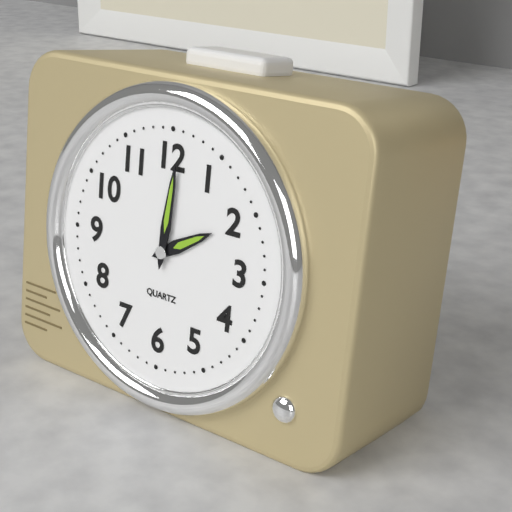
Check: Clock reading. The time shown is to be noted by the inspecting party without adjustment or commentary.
2:01
